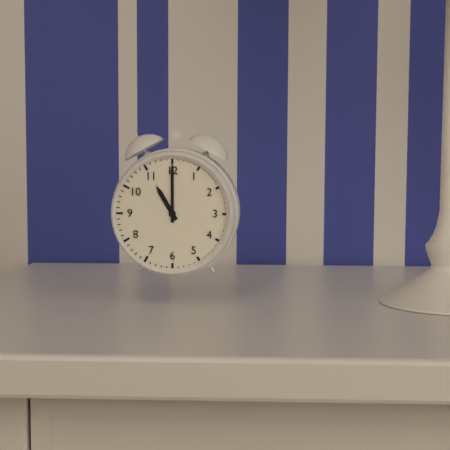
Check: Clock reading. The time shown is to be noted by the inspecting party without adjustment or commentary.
11:00
